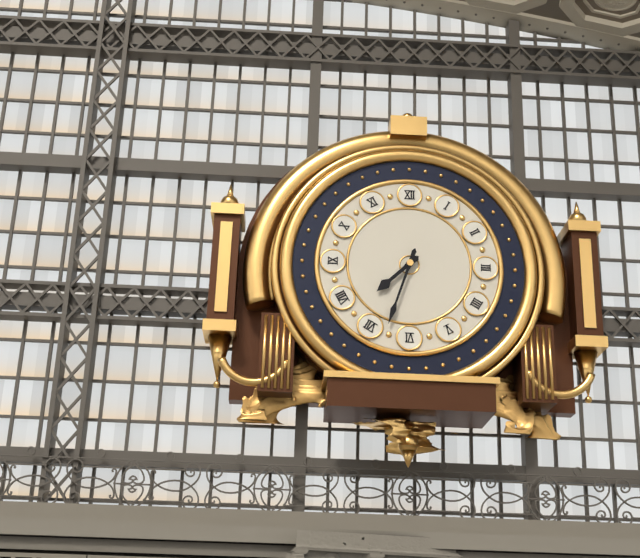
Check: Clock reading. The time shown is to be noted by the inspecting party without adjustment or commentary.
7:33
